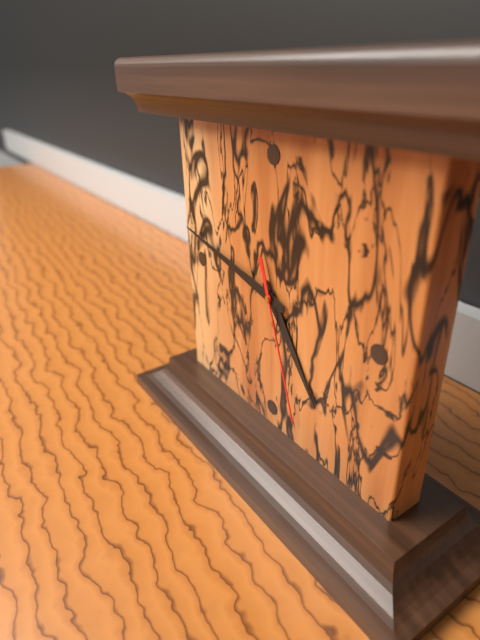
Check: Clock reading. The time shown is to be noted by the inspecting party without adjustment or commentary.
4:47:27
